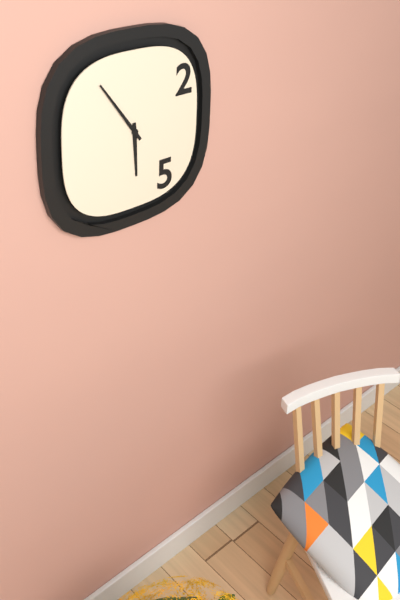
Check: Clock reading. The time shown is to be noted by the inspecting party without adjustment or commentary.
5:54
